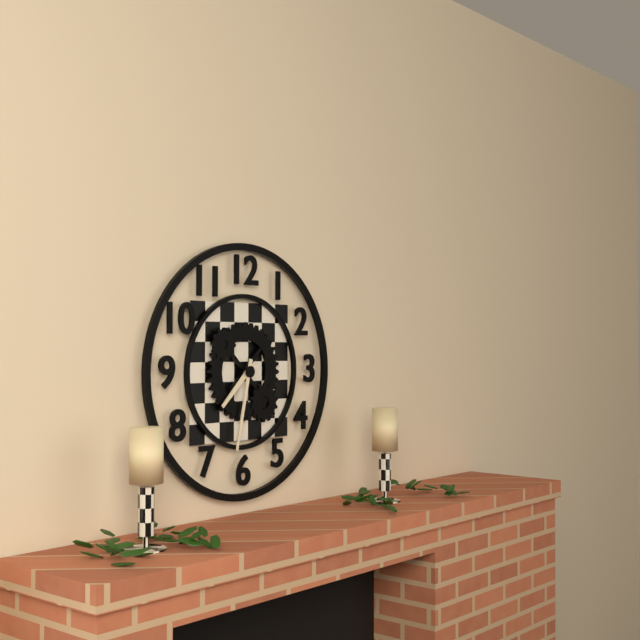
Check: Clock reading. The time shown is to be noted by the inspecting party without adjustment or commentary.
7:32
